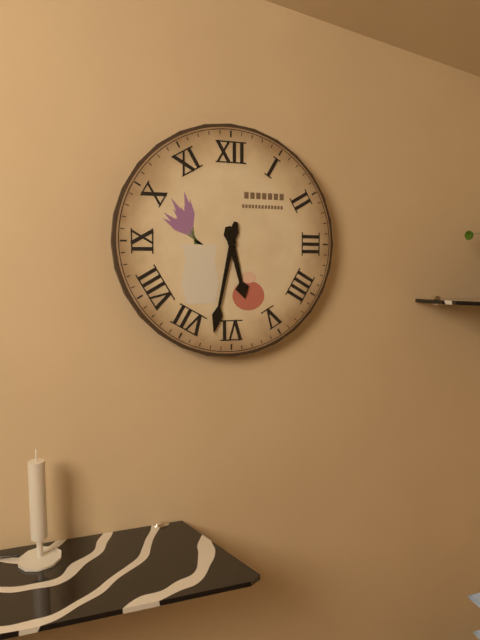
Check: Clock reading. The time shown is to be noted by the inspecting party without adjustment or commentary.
5:32
